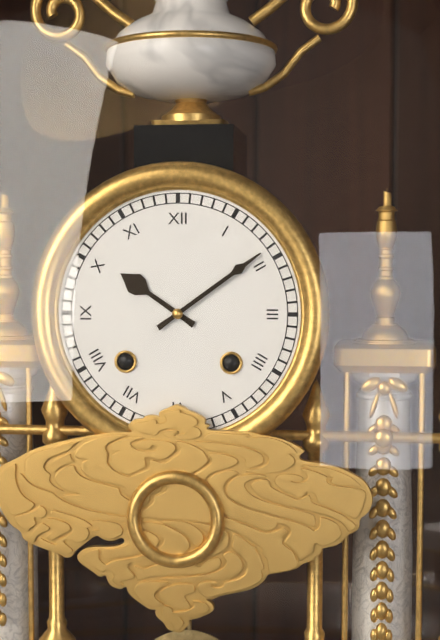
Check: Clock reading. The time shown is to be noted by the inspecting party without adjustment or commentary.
10:09
